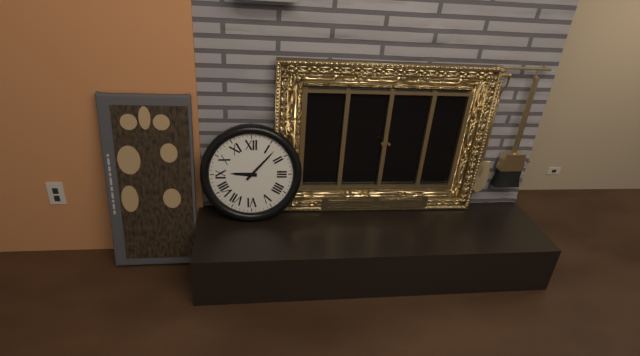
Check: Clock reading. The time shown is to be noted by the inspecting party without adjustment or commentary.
9:07
